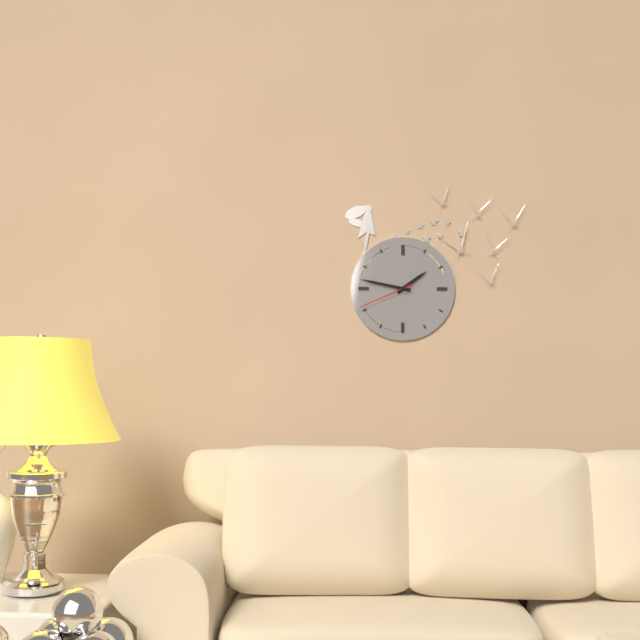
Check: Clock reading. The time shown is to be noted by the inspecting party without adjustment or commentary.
1:47:41
